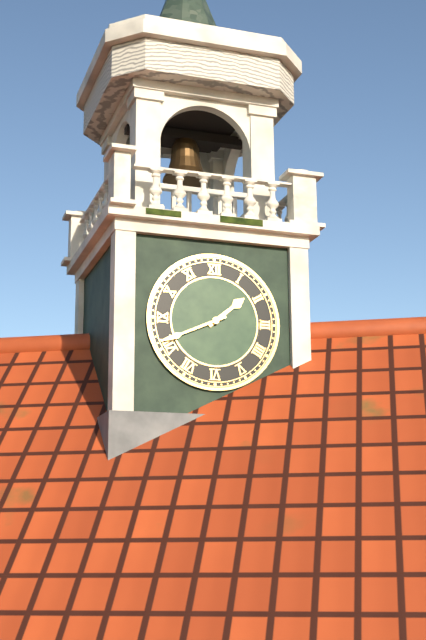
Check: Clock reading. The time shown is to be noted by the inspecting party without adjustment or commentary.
1:41
